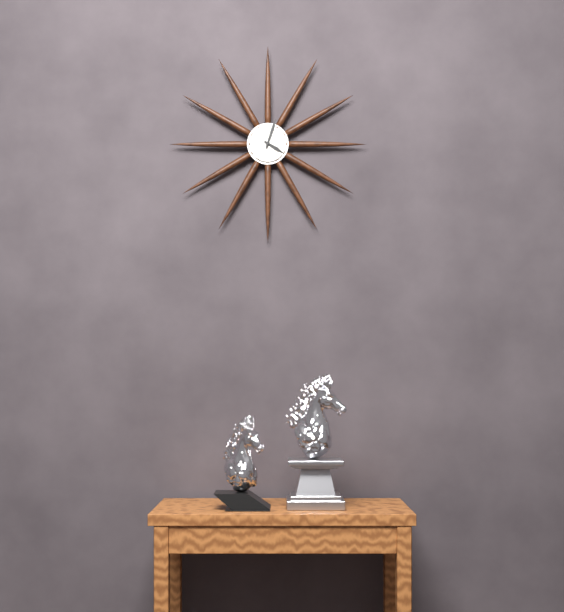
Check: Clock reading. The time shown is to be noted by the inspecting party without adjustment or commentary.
4:03
